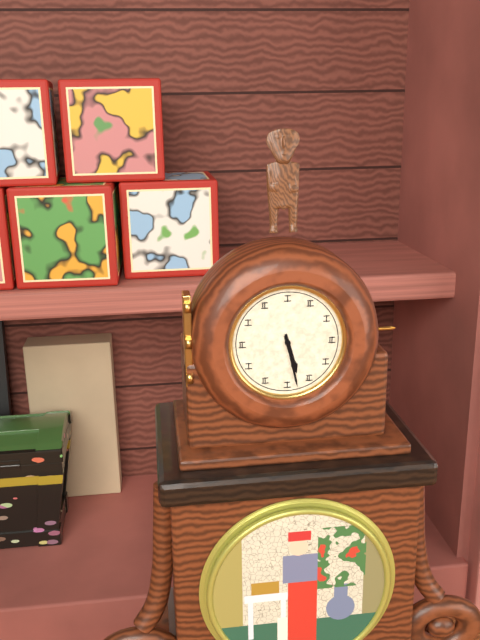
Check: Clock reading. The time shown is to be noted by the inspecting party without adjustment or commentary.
5:28
